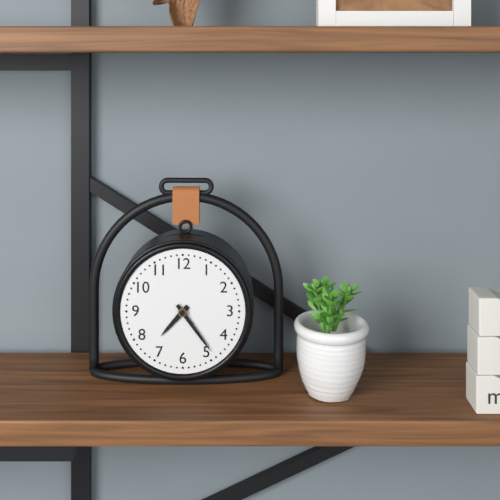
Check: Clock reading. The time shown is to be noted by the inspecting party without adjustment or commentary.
7:24
